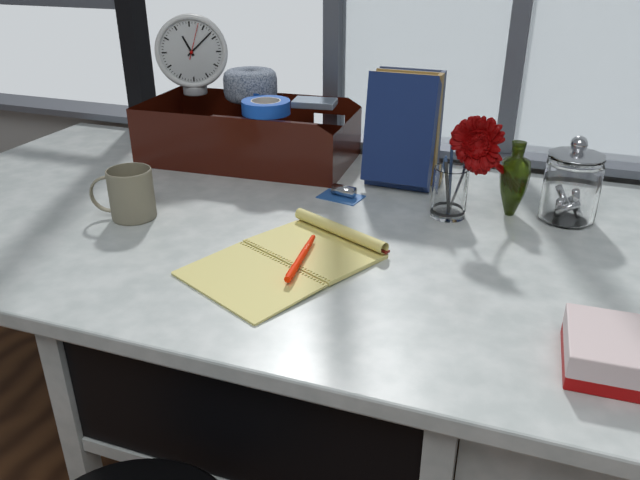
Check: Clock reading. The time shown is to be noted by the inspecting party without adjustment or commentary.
11:08
